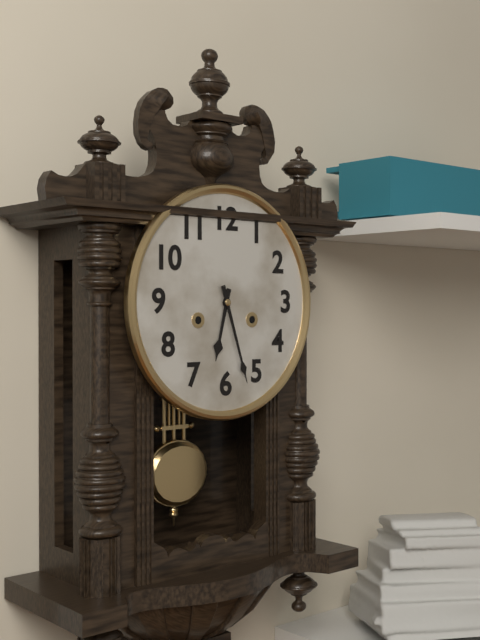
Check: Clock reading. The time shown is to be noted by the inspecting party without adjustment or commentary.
6:27
